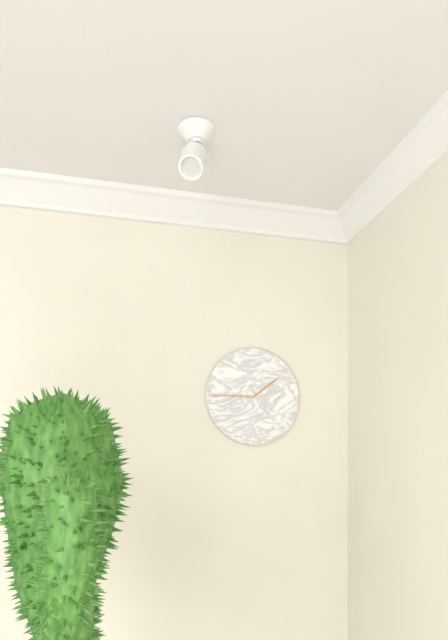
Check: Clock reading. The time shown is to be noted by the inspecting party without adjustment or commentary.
1:45
